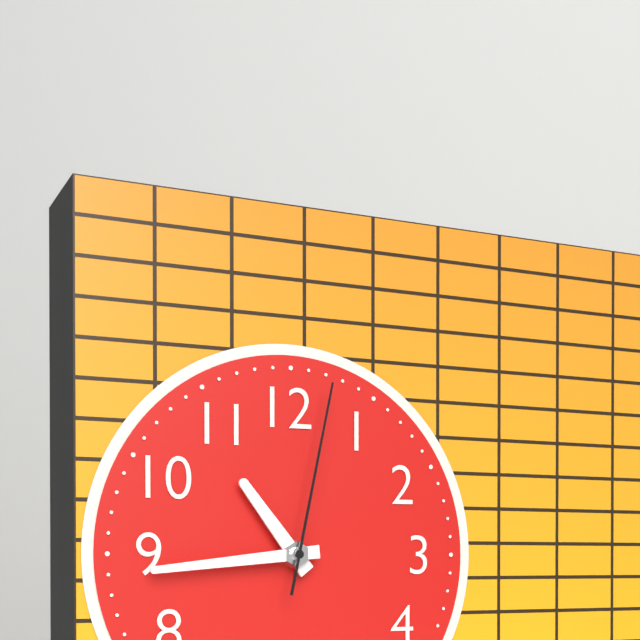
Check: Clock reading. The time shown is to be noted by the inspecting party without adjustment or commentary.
10:44:02
